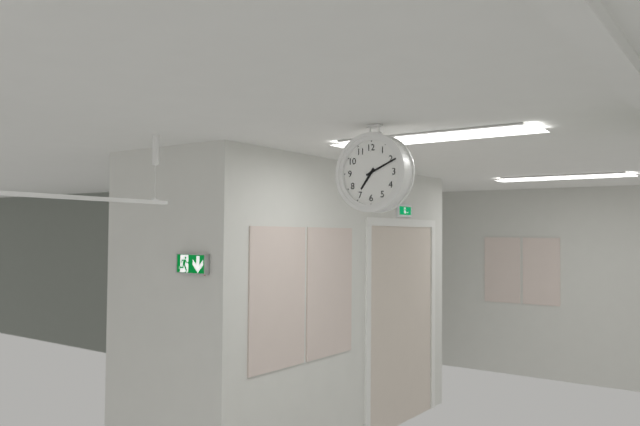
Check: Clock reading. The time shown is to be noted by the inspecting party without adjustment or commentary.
7:11
